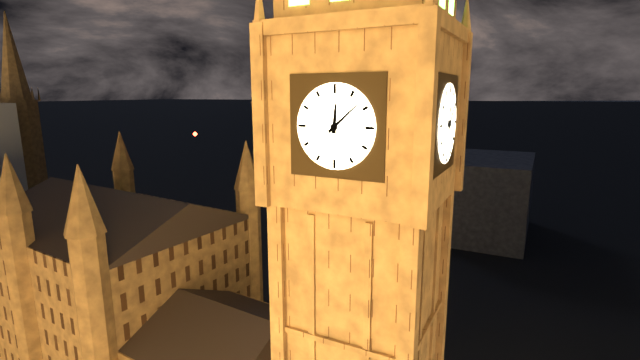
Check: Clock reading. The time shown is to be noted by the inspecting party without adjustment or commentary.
12:08
